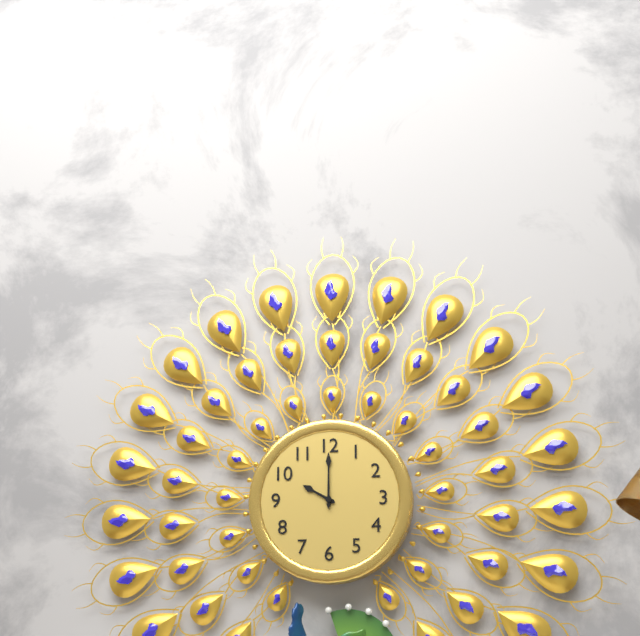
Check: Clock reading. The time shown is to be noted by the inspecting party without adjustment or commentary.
10:00
